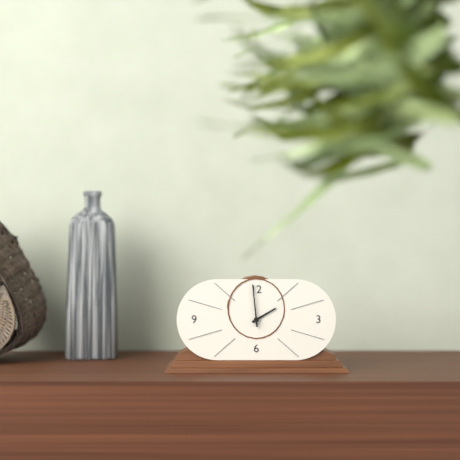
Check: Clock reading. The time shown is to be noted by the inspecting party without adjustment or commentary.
1:59
